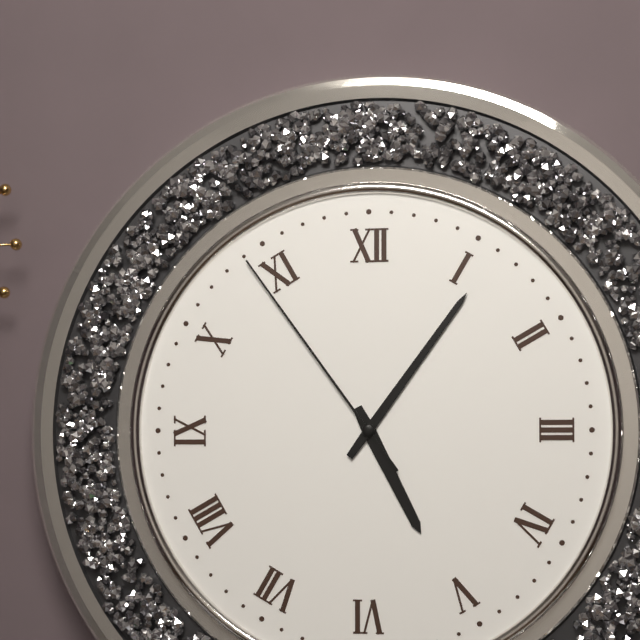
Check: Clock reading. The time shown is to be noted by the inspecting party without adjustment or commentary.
5:06:54
